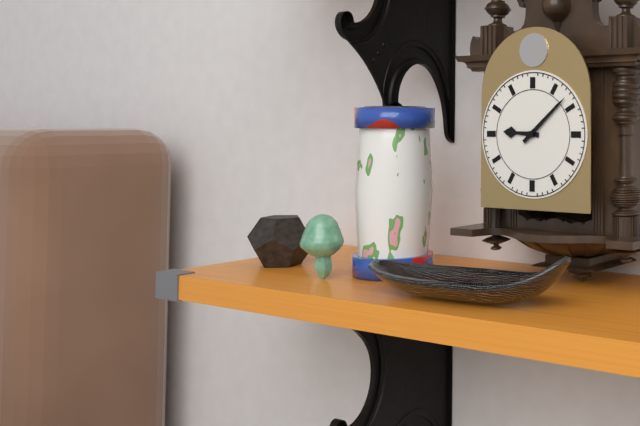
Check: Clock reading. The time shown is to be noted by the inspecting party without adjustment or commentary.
9:08
